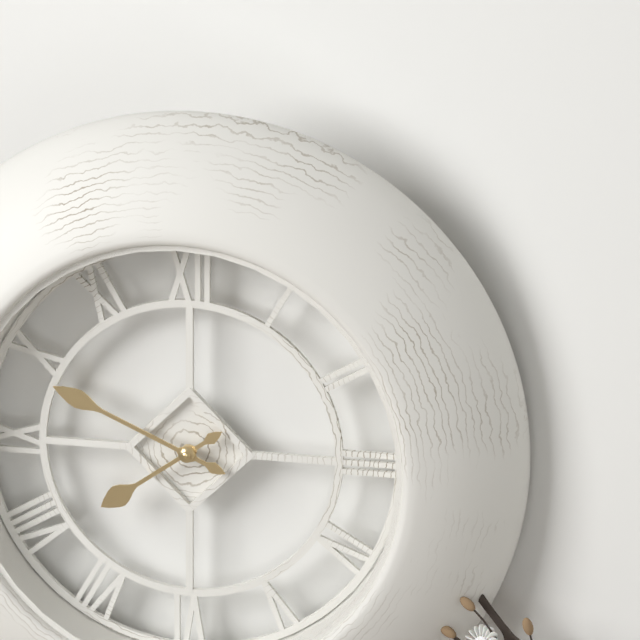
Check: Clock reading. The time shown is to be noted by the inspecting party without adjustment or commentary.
7:49
